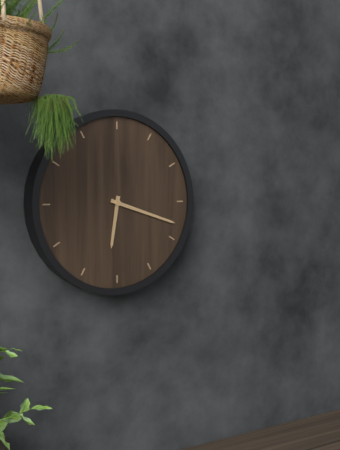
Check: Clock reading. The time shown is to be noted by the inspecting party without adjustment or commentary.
6:18
